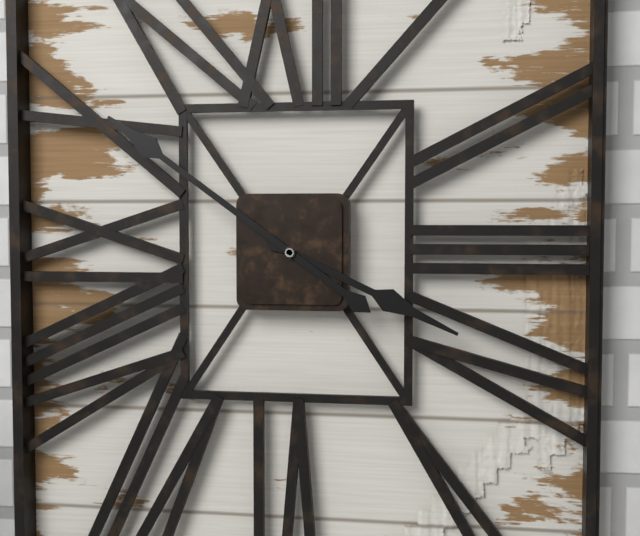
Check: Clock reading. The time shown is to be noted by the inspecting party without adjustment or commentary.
3:51
